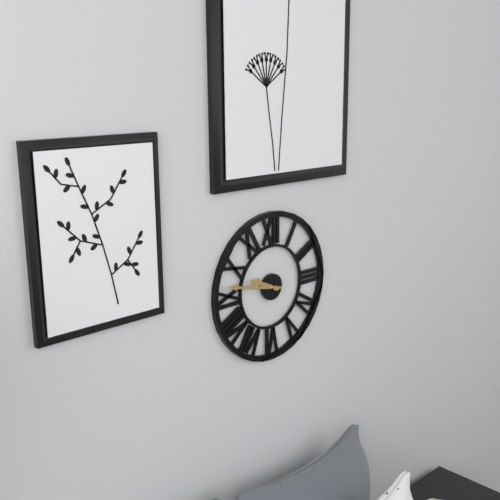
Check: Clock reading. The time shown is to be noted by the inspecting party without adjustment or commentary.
9:47
